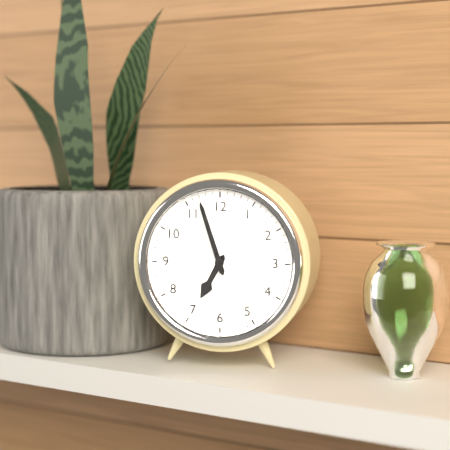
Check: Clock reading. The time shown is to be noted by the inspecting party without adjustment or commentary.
6:57
